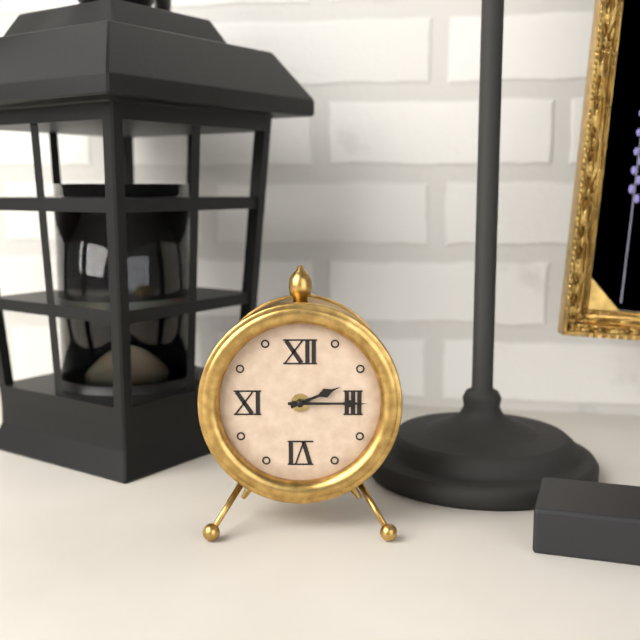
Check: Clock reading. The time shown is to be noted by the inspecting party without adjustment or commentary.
2:15
